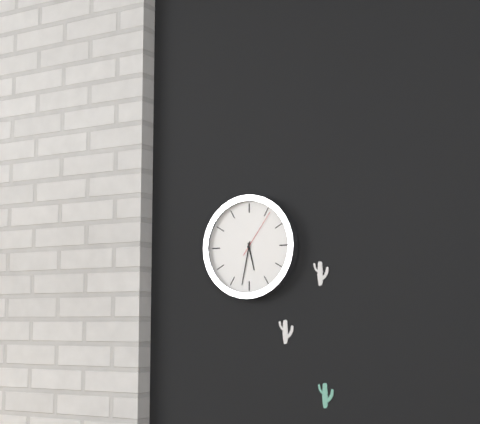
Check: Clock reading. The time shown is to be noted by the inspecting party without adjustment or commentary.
5:32
